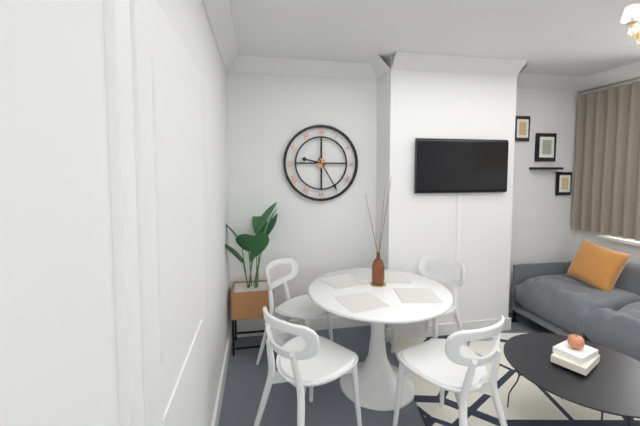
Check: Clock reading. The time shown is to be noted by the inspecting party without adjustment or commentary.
9:25
